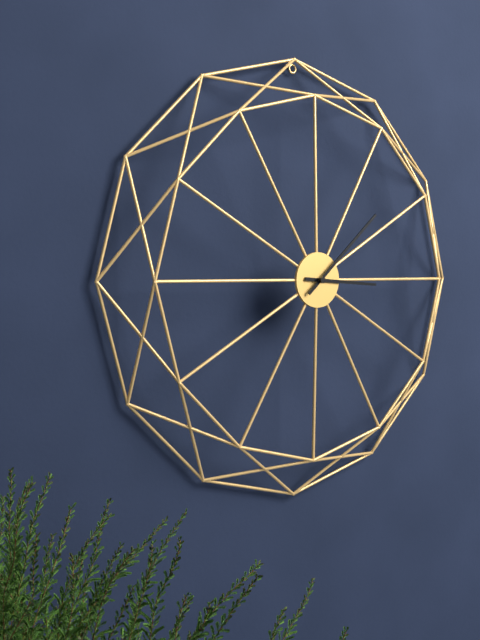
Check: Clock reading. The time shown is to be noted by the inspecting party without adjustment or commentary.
3:08
